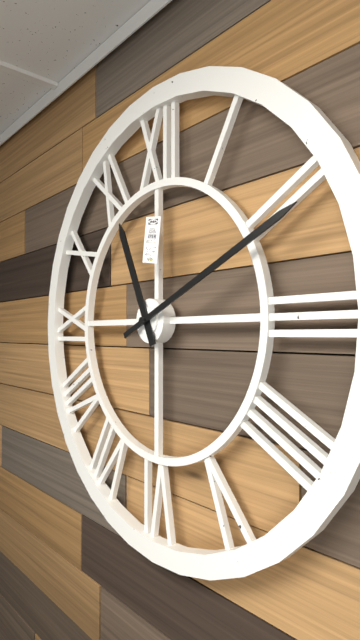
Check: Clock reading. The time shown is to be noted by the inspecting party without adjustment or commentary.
11:11
